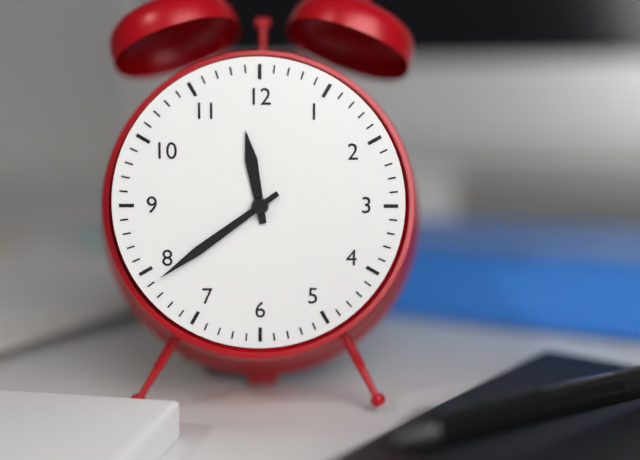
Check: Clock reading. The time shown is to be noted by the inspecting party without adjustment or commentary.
11:39
